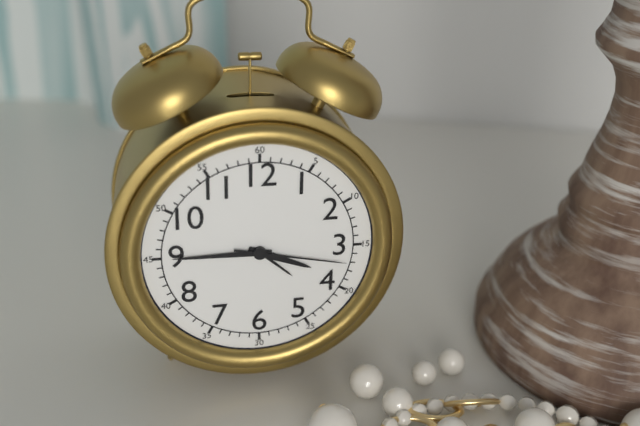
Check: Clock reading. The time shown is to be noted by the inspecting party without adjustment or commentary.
3:45:17
